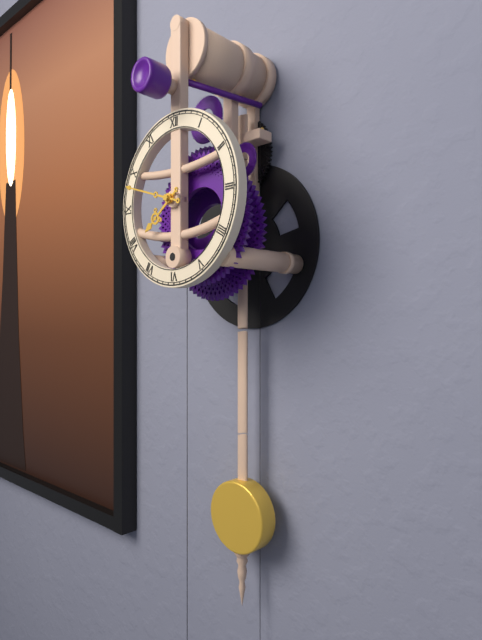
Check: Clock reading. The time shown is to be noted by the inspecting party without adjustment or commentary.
7:48
